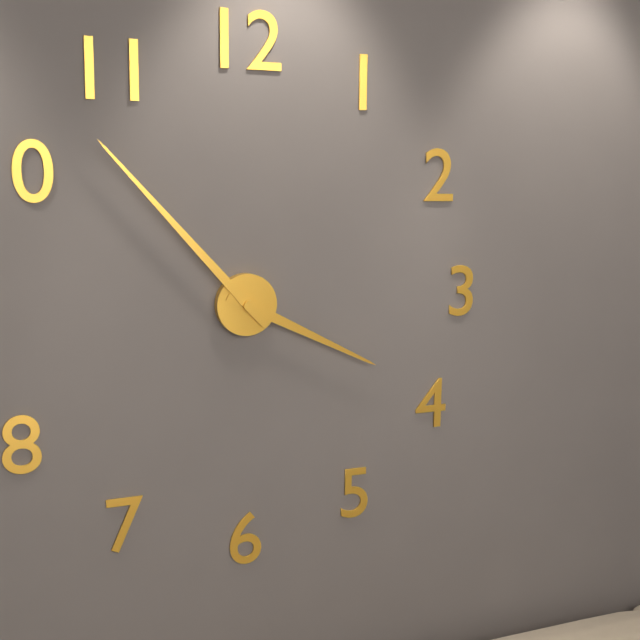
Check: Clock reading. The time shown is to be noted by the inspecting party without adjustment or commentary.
3:53
